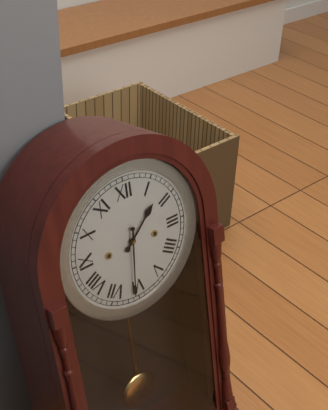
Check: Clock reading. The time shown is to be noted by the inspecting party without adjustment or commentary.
1:31
